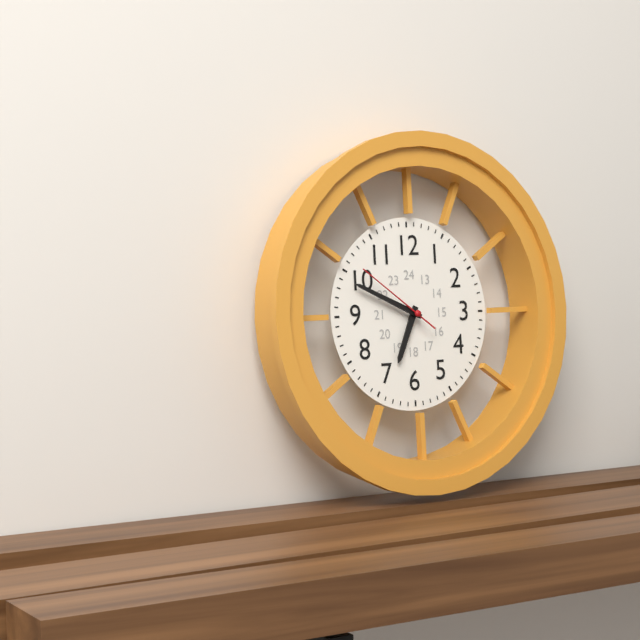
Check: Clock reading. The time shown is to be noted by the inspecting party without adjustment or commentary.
6:49:51
